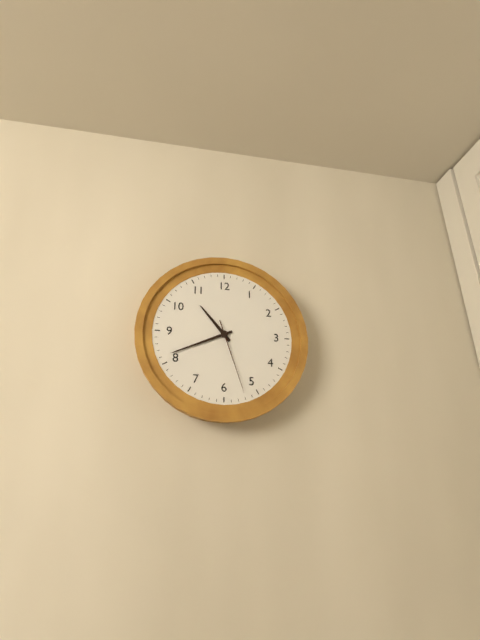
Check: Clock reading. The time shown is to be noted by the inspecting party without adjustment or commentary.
10:41:27
